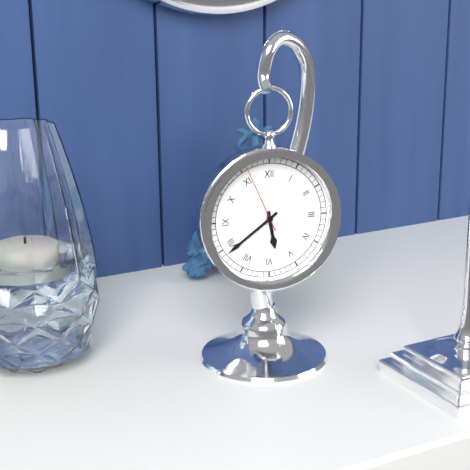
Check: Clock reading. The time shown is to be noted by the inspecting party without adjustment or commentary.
5:39:56
